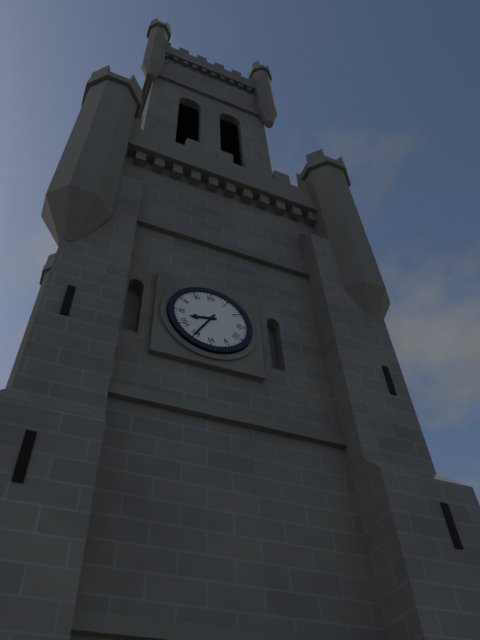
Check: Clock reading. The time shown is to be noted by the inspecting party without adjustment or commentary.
8:35
